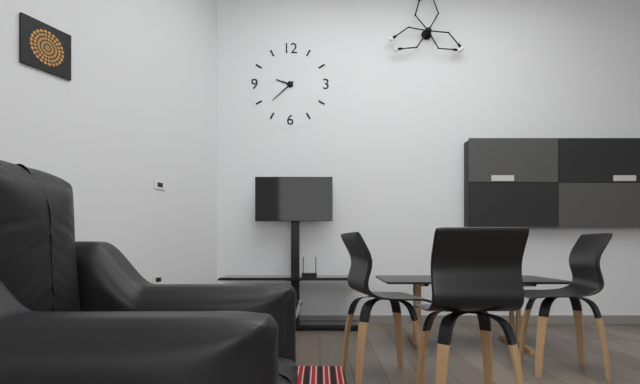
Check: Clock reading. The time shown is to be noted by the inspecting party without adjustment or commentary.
9:38
